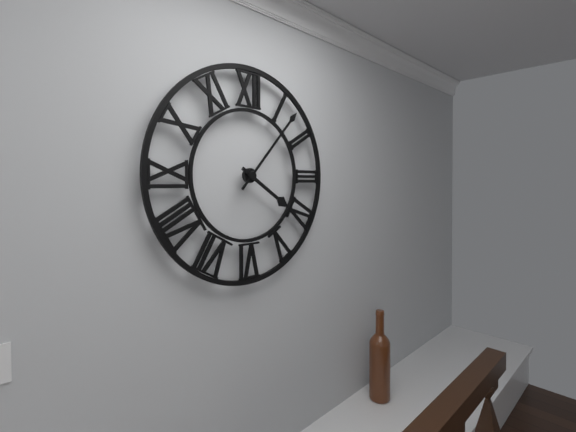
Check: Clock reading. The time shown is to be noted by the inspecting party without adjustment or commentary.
4:07
